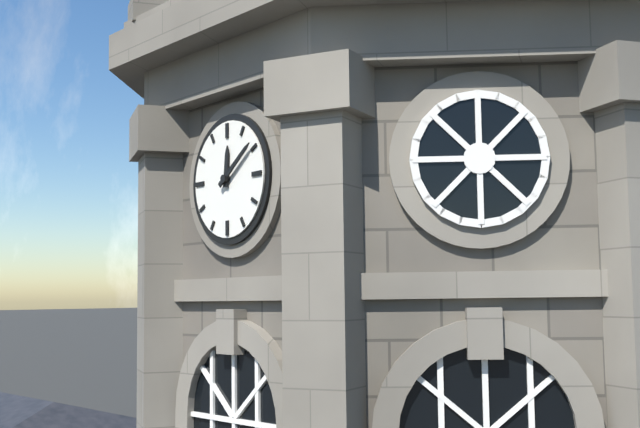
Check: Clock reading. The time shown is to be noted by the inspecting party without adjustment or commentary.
12:09
